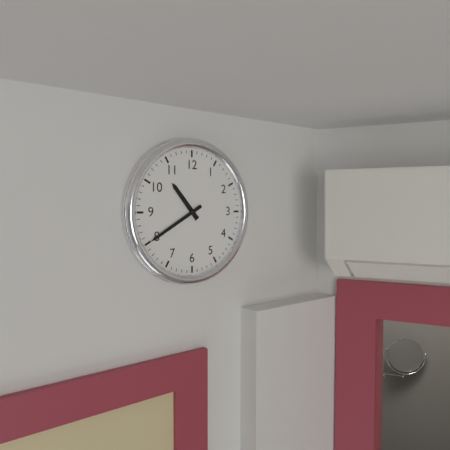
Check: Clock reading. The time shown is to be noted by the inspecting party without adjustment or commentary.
10:40
